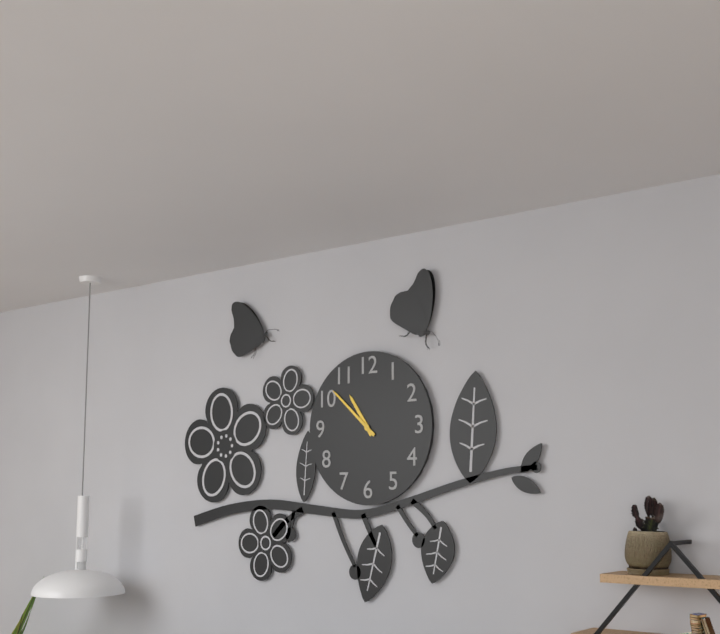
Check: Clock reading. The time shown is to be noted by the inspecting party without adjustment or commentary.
10:52
